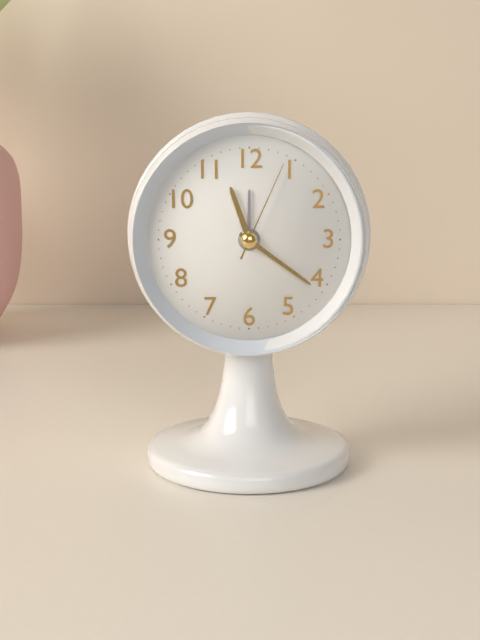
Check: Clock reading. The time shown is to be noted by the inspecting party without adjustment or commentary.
11:21:04
